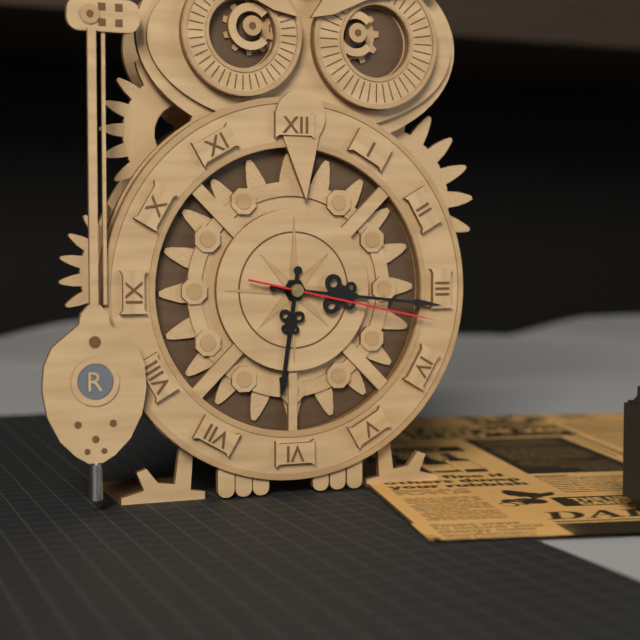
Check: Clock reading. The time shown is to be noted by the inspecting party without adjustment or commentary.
6:16:17
